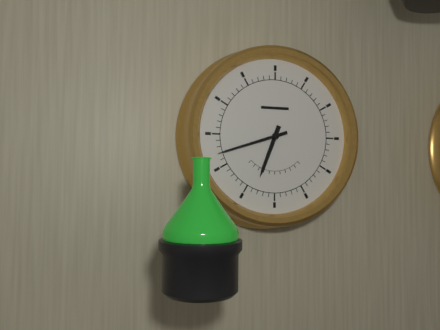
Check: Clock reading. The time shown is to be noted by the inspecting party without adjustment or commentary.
6:42
